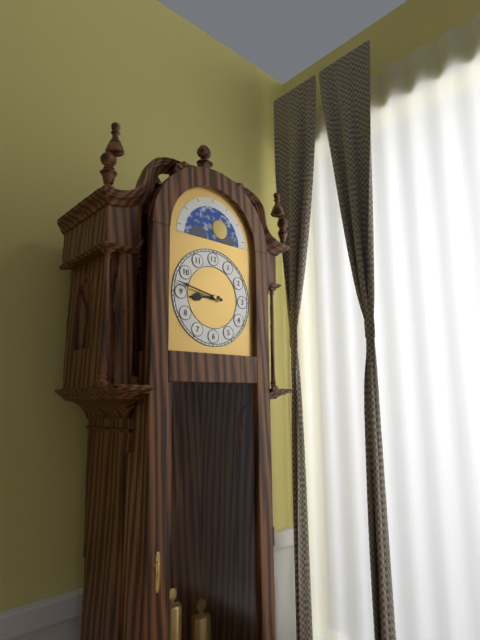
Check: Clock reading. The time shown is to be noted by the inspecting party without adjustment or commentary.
8:47
